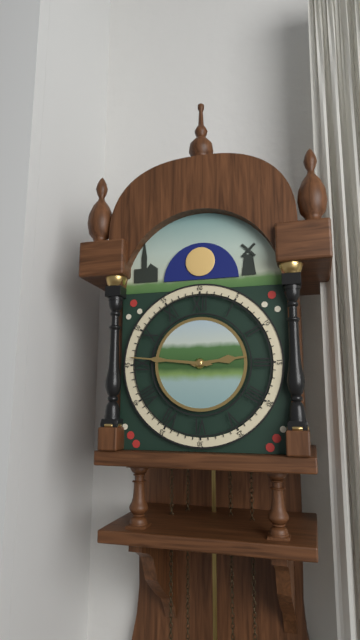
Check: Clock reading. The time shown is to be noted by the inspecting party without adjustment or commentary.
2:46
